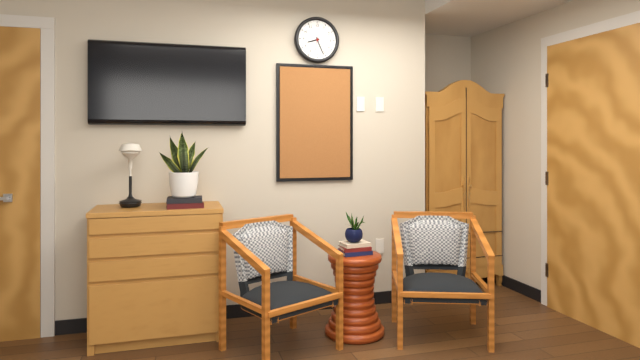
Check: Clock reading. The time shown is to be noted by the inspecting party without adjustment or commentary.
8:26
